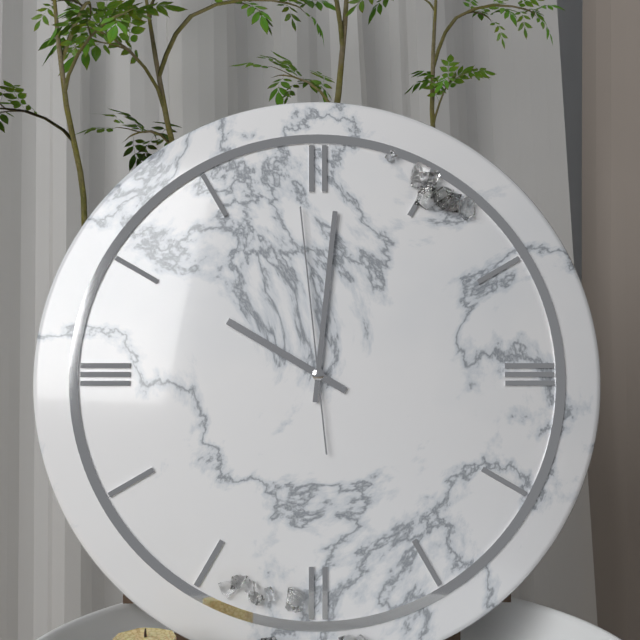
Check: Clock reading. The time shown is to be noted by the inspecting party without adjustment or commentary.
10:01:59
